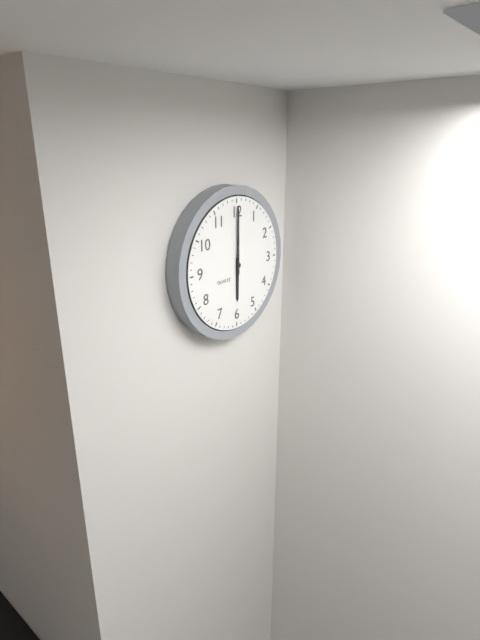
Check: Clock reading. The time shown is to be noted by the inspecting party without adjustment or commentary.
6:00
